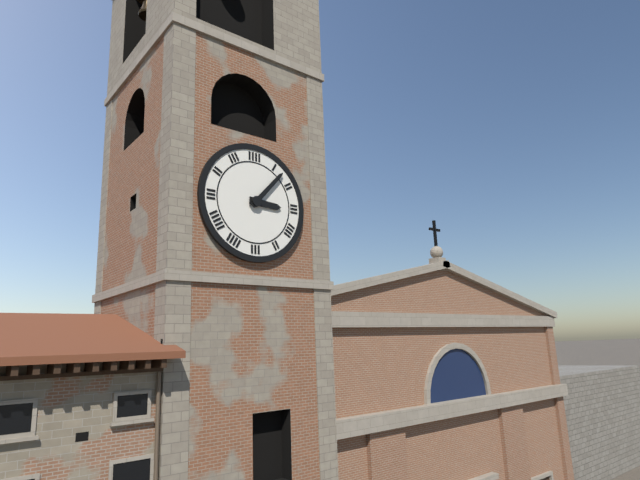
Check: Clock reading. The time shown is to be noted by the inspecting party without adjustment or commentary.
3:07
